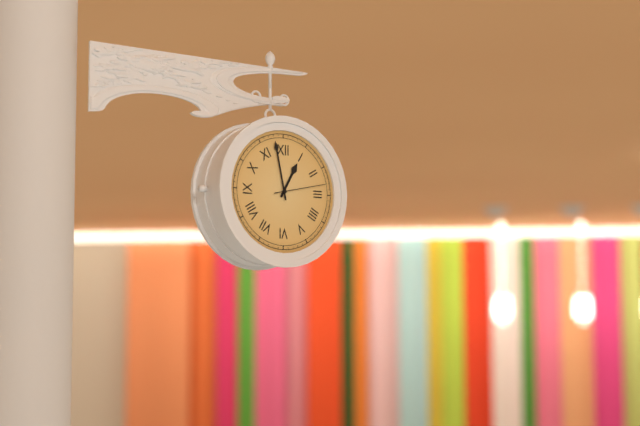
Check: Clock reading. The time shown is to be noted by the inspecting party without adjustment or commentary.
12:58:13
